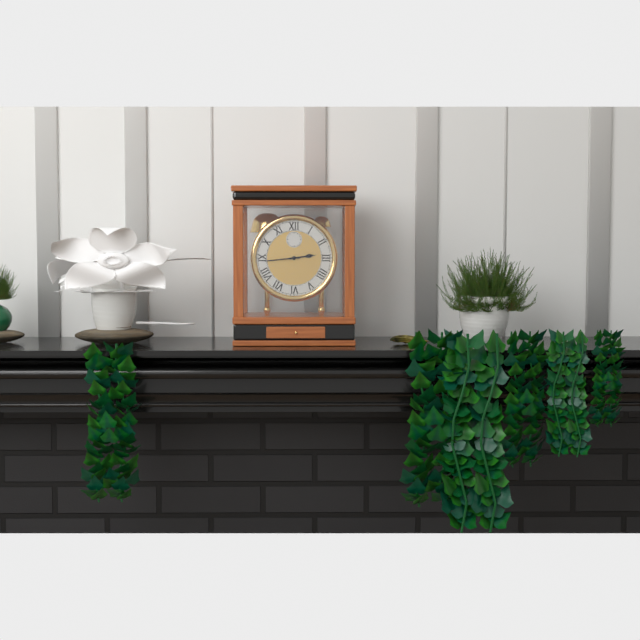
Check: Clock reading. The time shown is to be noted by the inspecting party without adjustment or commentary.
2:44
